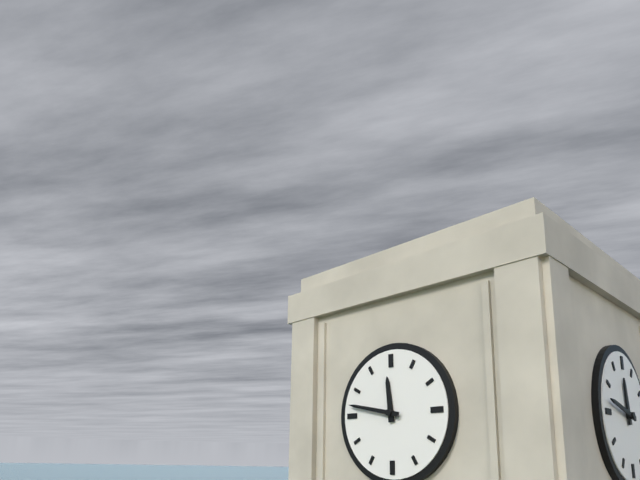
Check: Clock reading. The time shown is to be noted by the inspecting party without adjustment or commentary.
11:47
